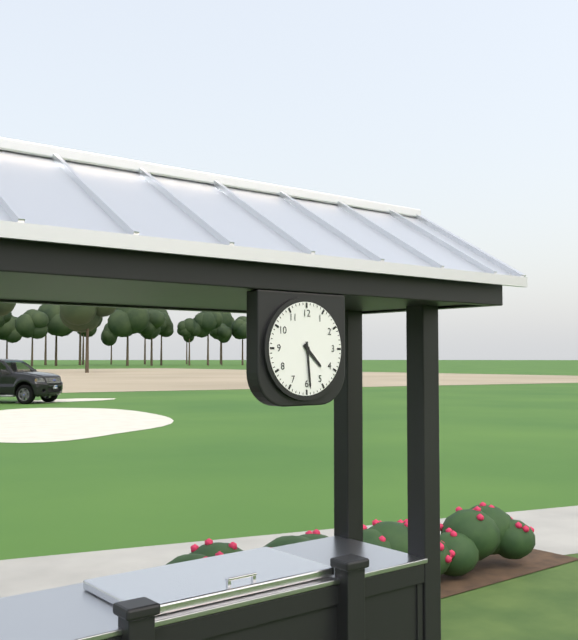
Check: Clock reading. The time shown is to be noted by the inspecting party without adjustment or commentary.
4:29
